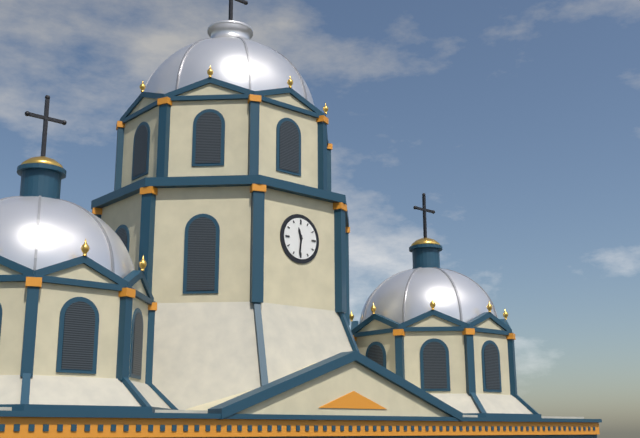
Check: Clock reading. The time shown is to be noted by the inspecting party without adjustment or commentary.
11:31
